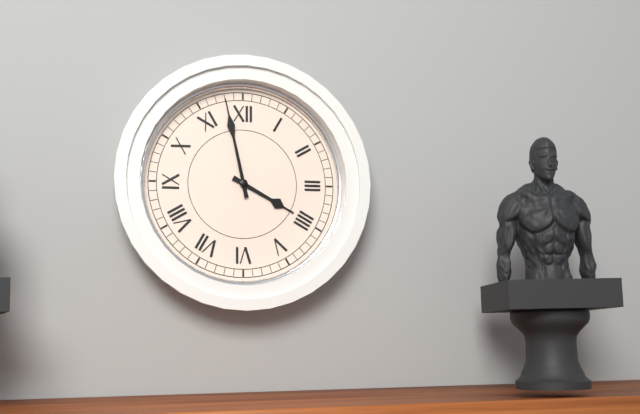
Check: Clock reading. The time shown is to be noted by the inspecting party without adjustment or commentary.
3:58
